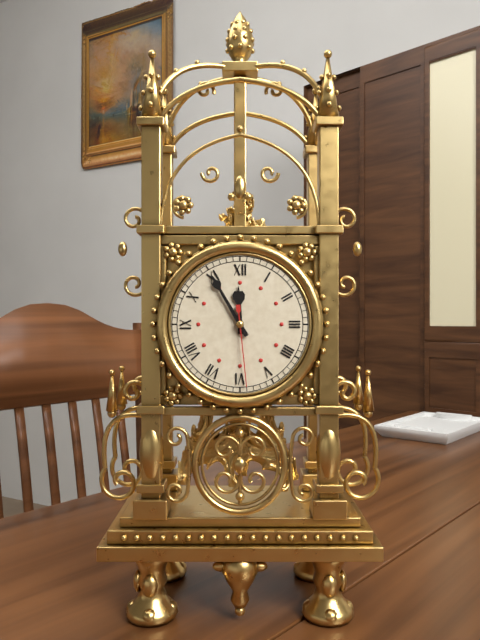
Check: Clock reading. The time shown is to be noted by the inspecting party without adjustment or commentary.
11:55:29
